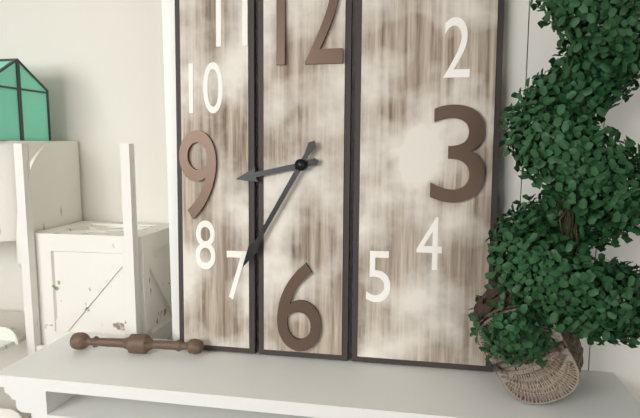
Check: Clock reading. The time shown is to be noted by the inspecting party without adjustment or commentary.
8:35
